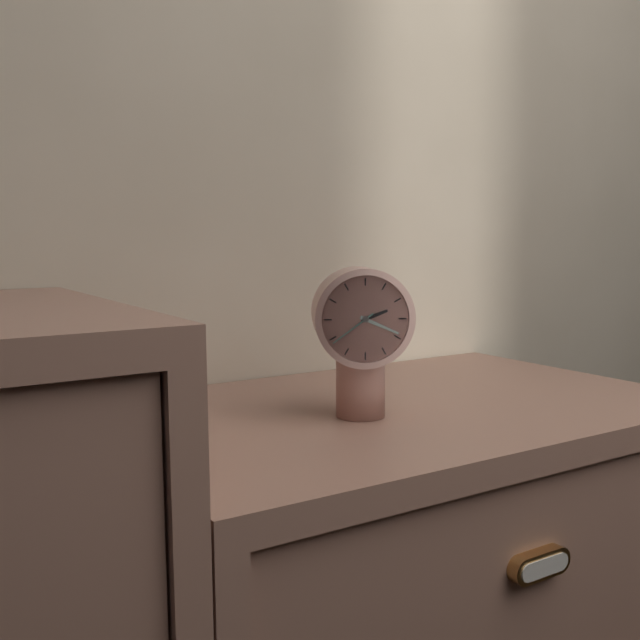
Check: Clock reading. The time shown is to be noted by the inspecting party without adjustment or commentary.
2:19:39
